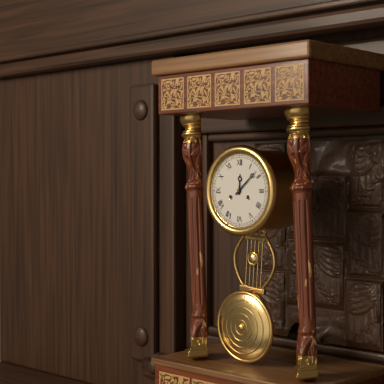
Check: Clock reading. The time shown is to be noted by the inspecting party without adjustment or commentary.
12:08
